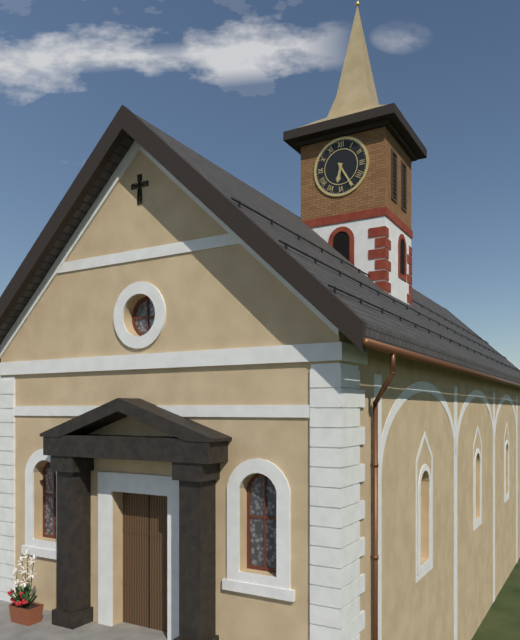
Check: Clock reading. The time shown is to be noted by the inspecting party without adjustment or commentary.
6:25
